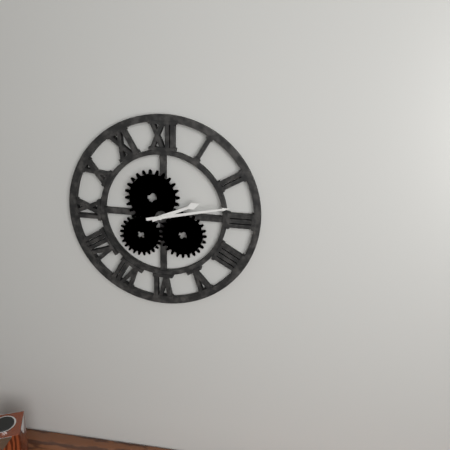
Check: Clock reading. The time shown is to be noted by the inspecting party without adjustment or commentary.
2:13
